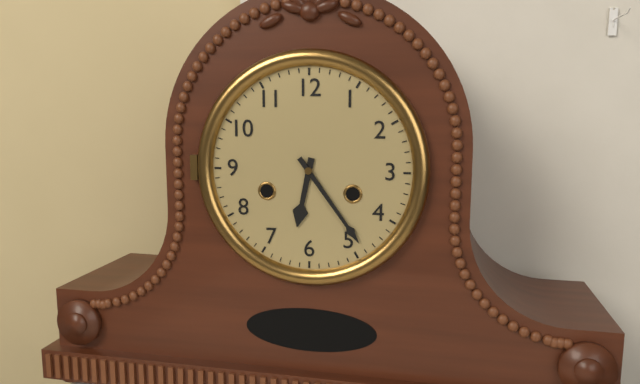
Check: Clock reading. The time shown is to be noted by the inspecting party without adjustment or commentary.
6:24
